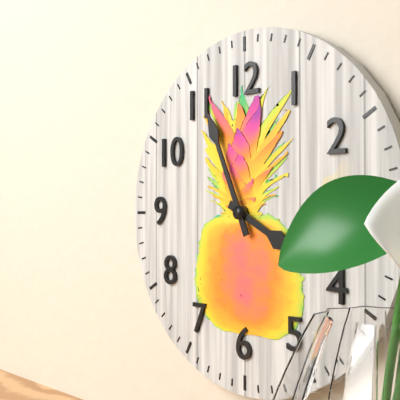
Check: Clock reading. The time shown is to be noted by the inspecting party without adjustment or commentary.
3:56
